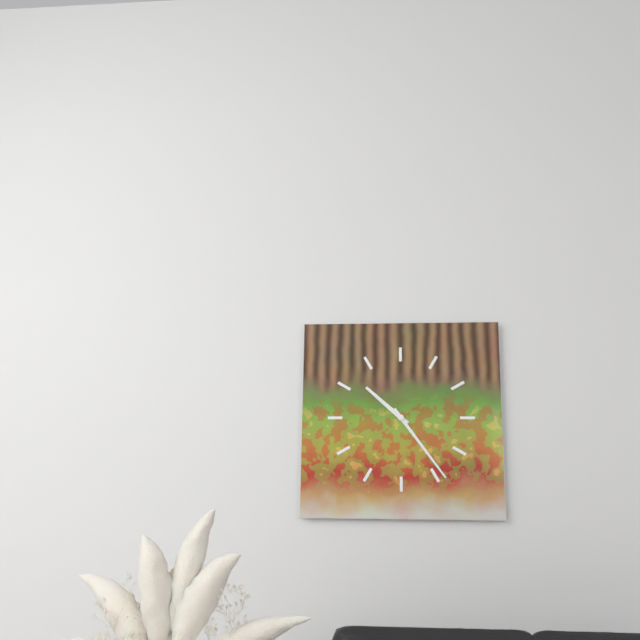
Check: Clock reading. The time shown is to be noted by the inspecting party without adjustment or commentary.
10:24
